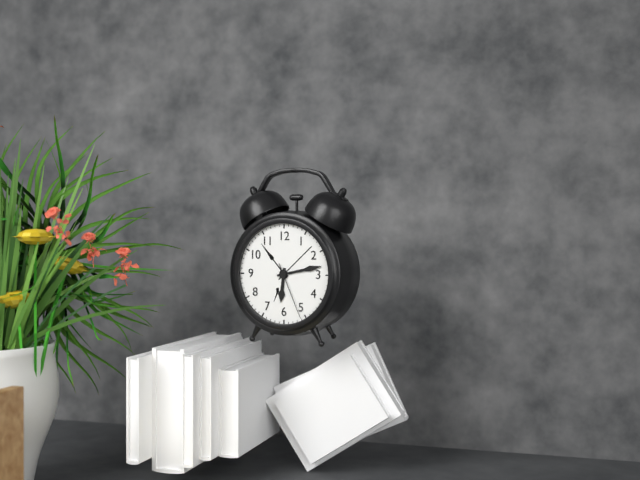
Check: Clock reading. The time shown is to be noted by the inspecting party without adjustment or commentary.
6:13:26
